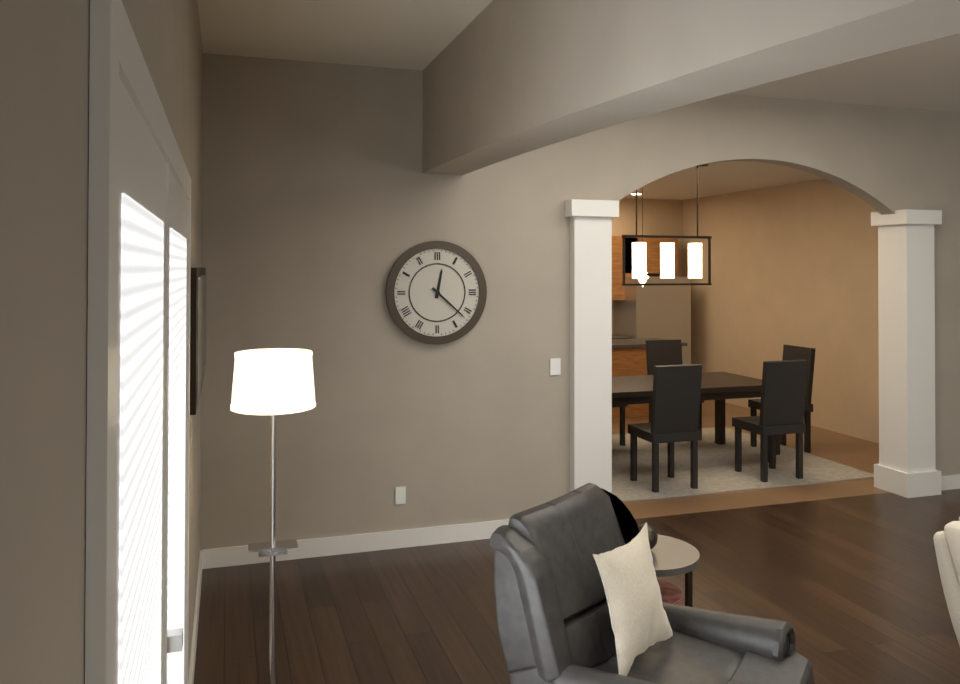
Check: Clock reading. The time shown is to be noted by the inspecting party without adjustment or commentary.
12:22
